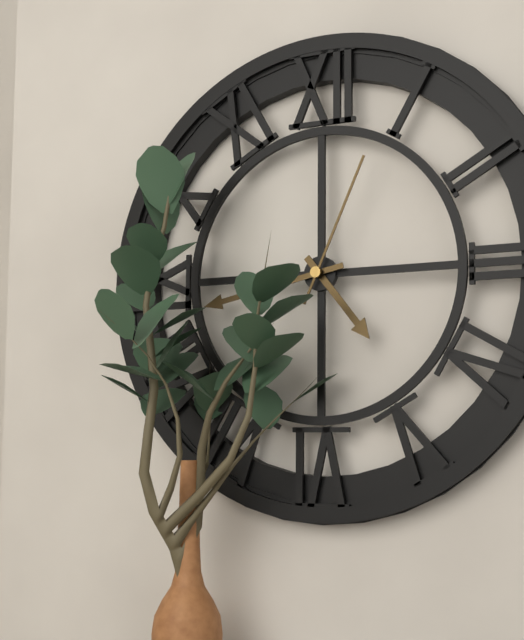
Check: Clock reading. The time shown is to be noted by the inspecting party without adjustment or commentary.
4:43:04
